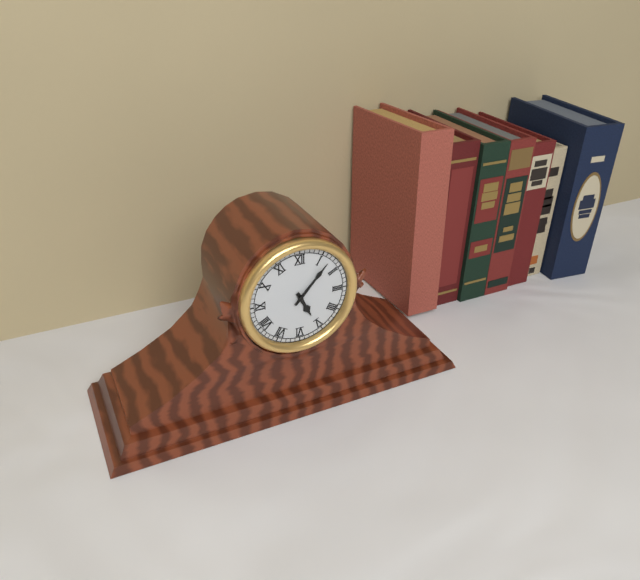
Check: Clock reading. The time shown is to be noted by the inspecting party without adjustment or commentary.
5:07
